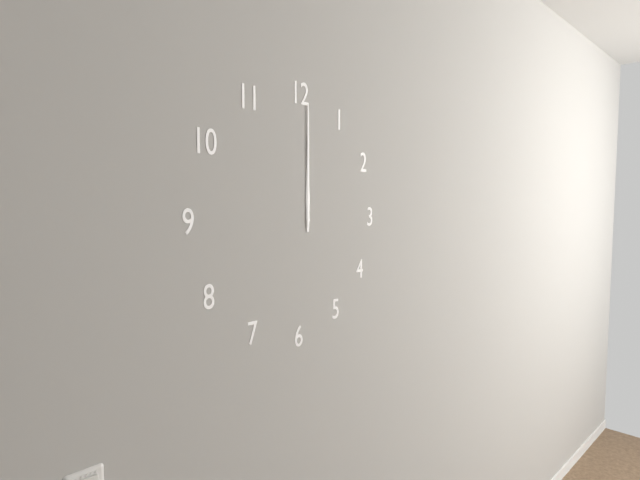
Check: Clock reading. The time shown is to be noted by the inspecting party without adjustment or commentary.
12:00
